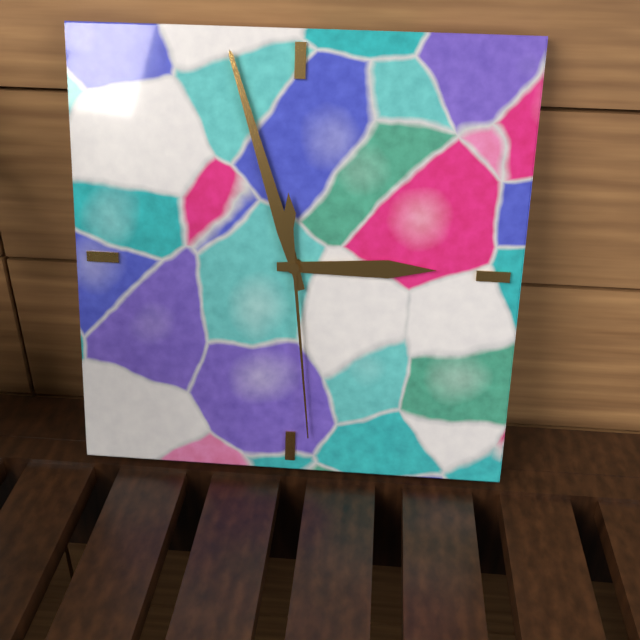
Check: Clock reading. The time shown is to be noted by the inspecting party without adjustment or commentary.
2:57:29
